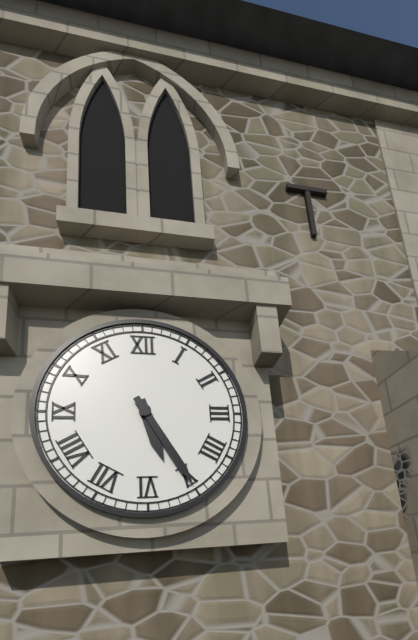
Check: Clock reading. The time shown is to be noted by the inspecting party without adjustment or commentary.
5:25
